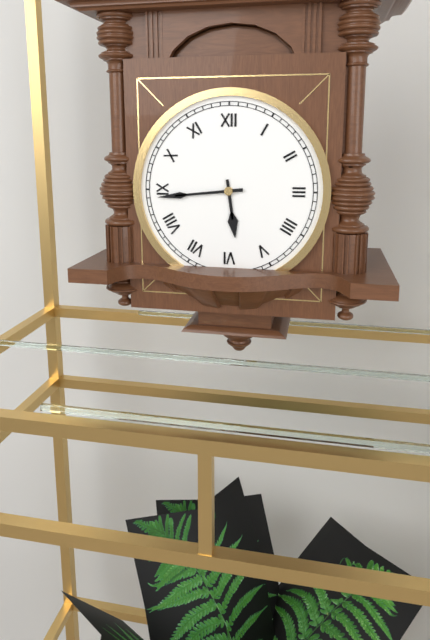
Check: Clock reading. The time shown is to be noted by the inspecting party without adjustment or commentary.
5:44
